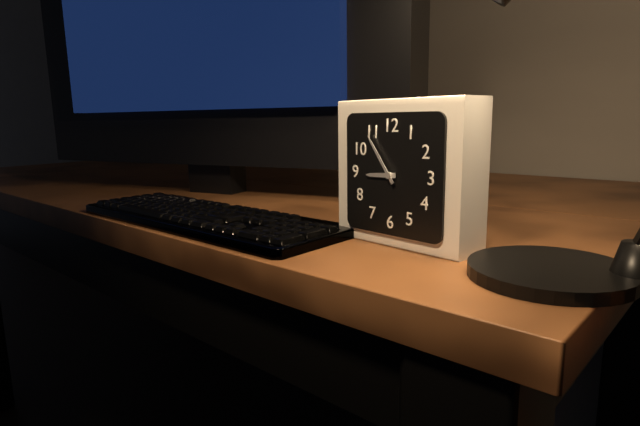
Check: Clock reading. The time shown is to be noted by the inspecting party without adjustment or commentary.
8:54
